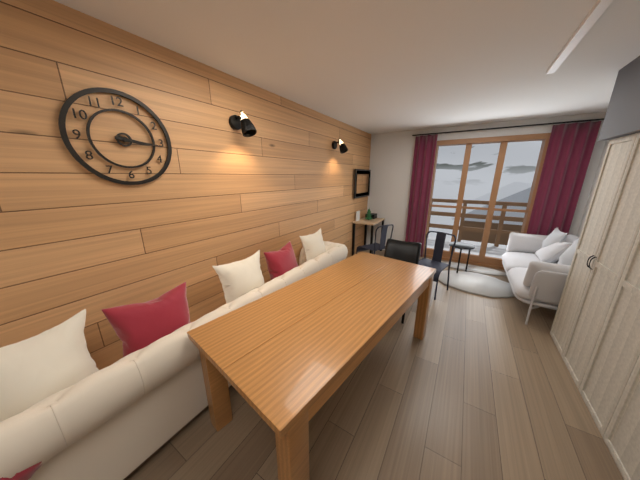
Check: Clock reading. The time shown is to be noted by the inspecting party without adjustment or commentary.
3:16
